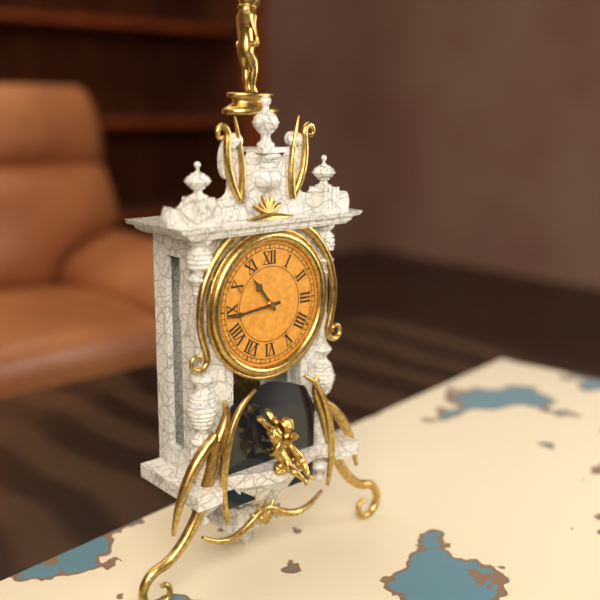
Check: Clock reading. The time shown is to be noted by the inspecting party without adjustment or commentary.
10:44
